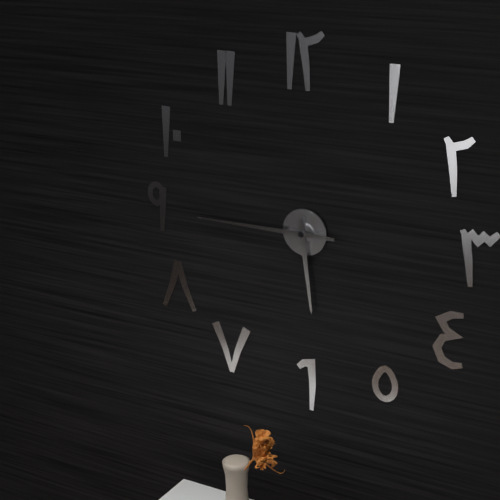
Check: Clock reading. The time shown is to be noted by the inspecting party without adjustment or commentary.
5:45
